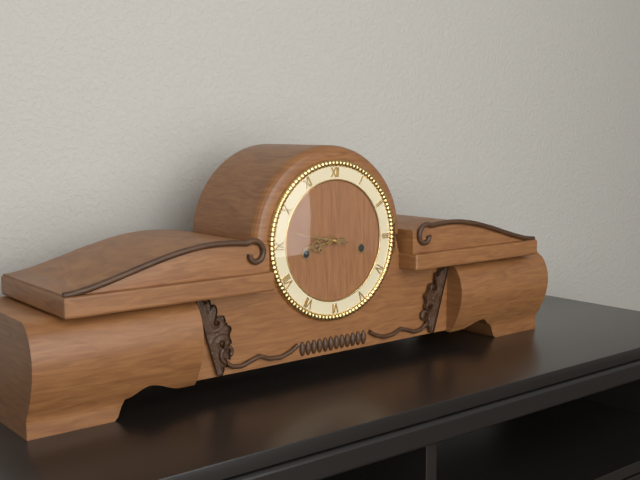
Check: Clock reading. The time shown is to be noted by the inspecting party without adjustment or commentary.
8:47
